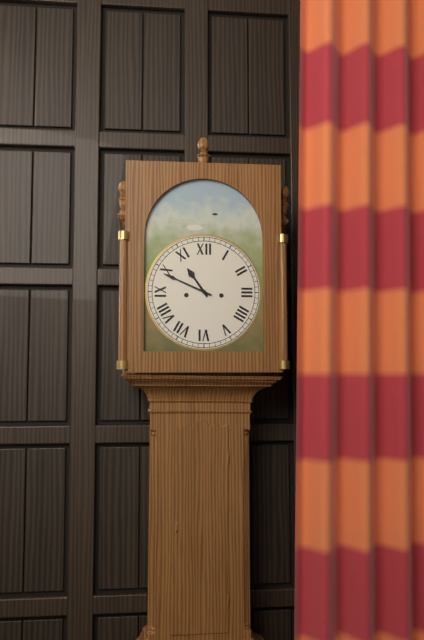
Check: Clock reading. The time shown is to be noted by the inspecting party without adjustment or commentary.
10:49
